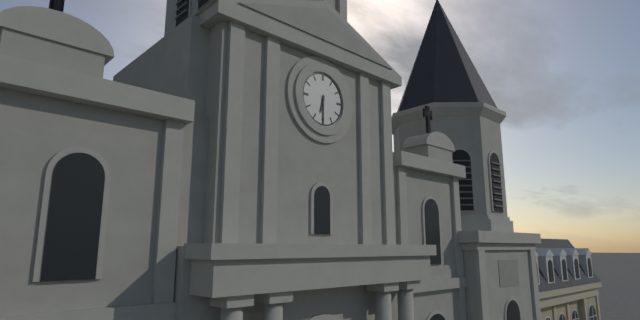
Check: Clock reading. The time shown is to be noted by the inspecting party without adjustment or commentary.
6:30
